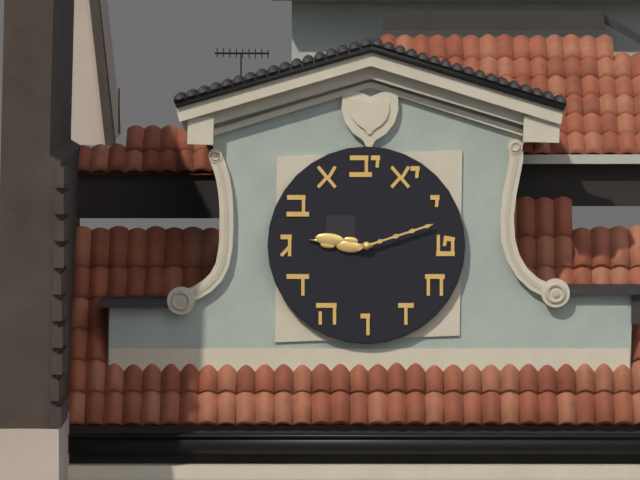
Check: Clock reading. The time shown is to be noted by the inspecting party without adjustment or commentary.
9:12
